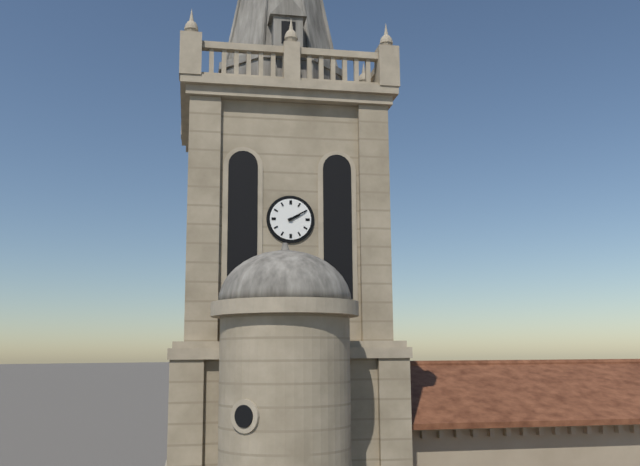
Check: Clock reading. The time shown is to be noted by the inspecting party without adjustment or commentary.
2:10
